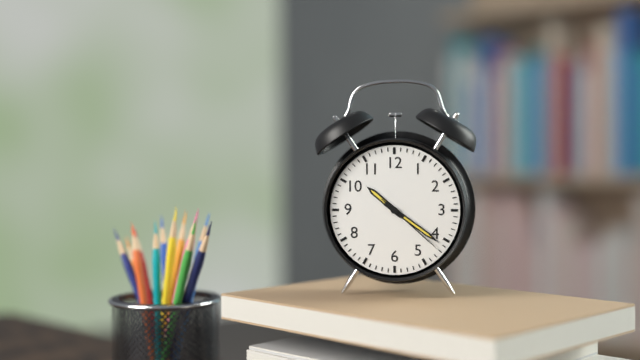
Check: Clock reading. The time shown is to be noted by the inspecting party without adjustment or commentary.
10:21:22
